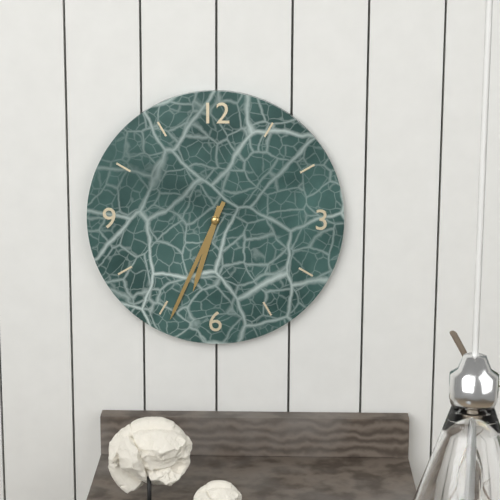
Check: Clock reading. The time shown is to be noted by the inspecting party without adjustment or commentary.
6:34
